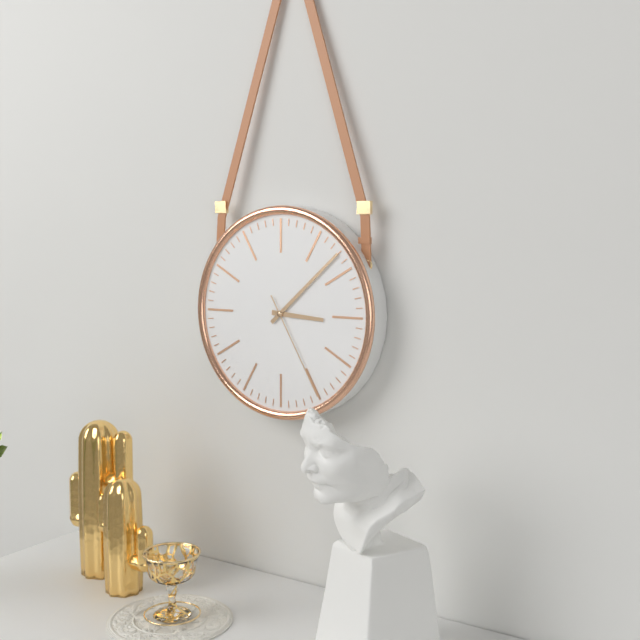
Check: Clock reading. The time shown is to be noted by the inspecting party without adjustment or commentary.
3:08:25
